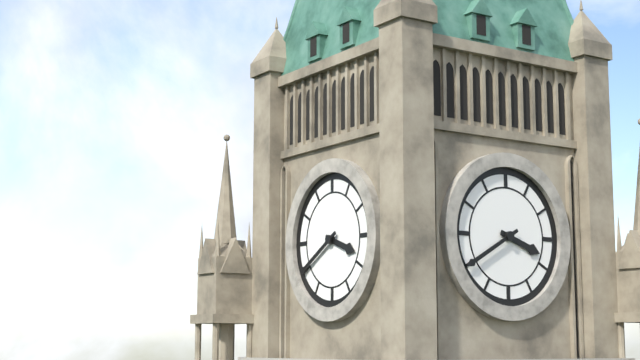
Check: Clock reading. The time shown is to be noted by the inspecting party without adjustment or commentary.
3:40
